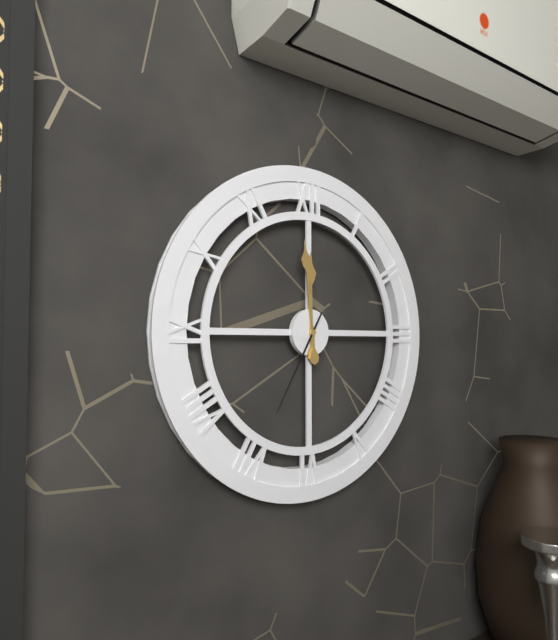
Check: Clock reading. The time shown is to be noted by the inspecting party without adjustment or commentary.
11:59:35
